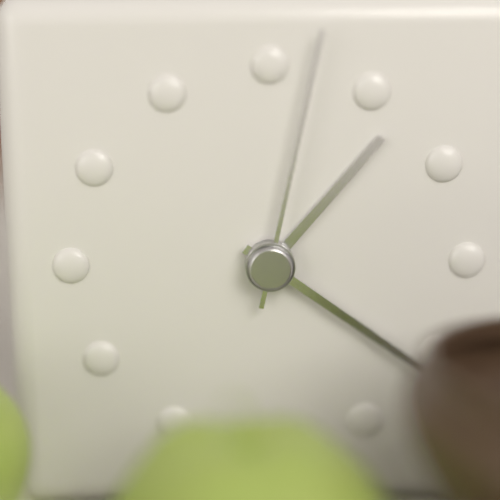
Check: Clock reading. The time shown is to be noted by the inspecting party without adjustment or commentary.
1:21:02
